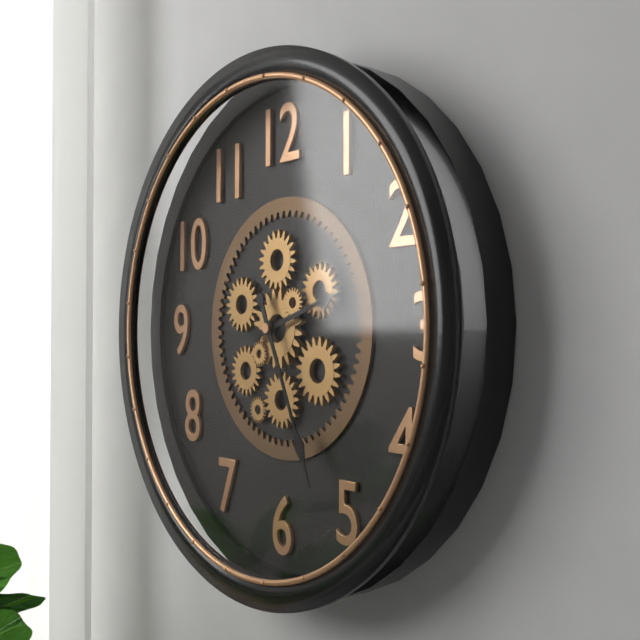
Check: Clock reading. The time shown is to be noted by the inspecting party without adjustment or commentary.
2:26
